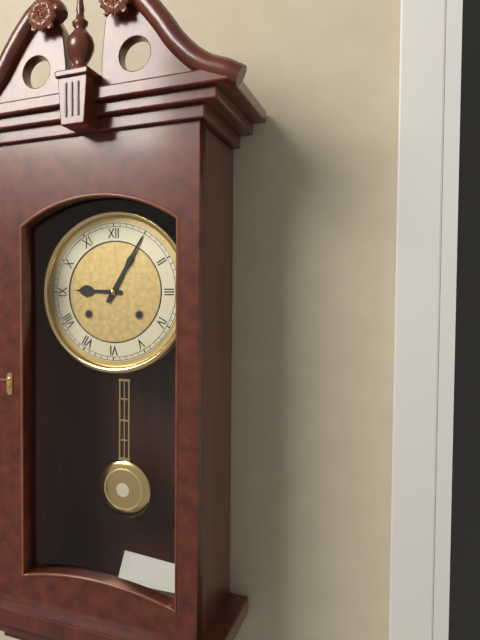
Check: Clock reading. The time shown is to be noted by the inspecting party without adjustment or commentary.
9:05
